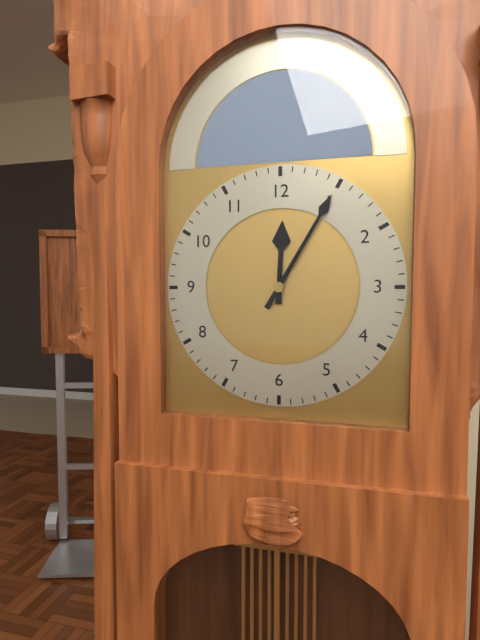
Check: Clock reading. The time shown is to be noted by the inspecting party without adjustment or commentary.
12:05
